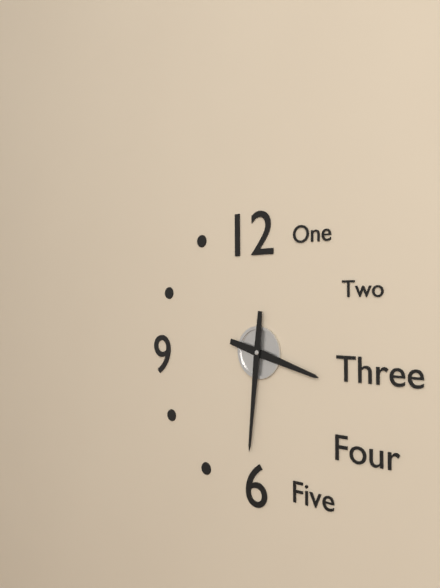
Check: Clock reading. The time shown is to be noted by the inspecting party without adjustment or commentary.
3:31
